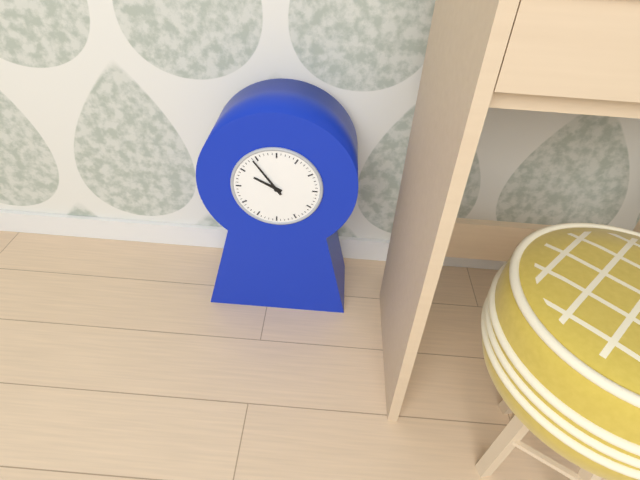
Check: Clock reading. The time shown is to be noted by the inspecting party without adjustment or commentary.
9:54
